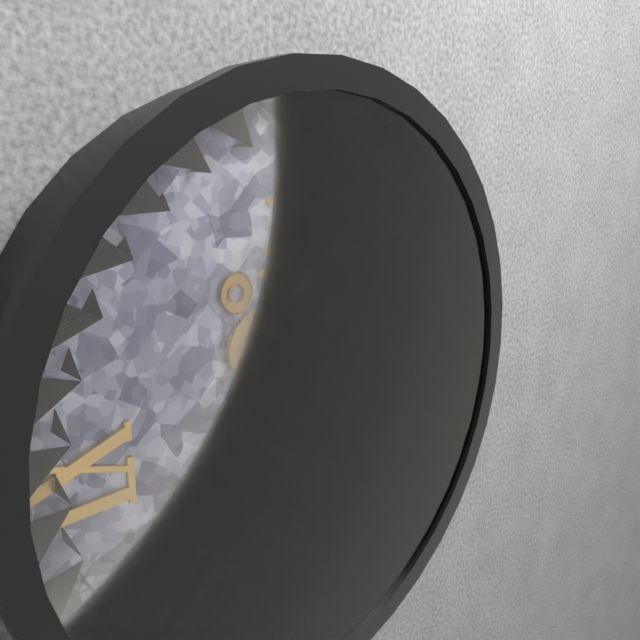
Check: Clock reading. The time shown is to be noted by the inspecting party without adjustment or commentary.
8:15
